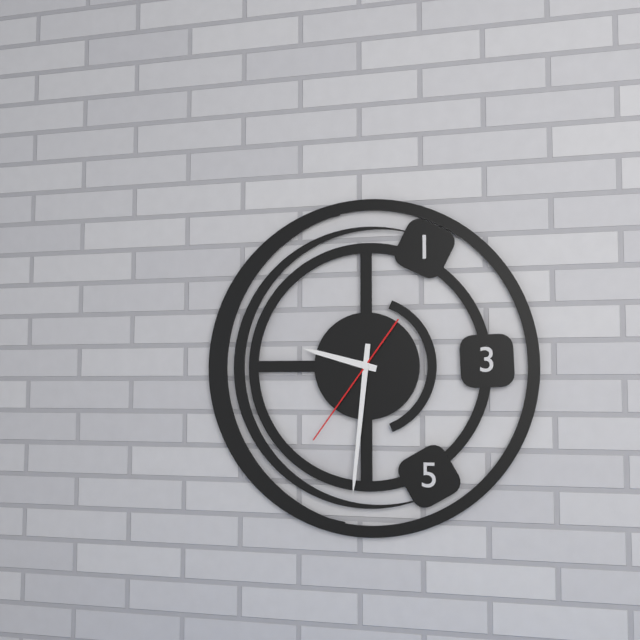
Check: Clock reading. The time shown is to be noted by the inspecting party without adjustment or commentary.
9:31:36
